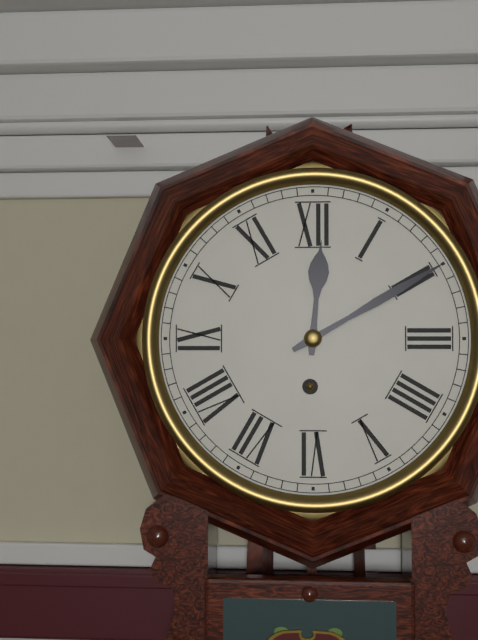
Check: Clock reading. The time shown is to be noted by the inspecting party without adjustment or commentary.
12:10
